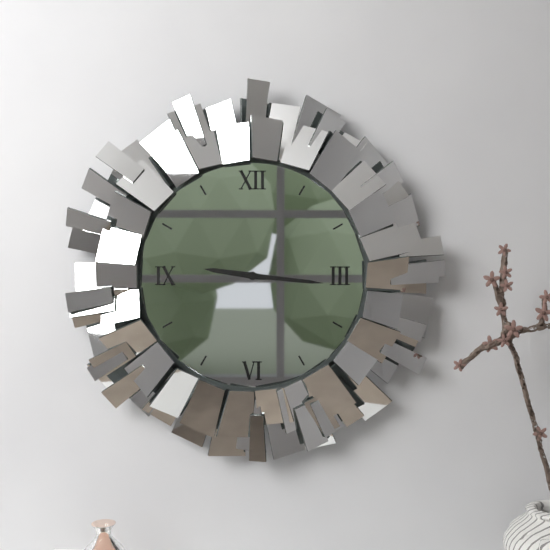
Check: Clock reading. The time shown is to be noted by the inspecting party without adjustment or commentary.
9:16
